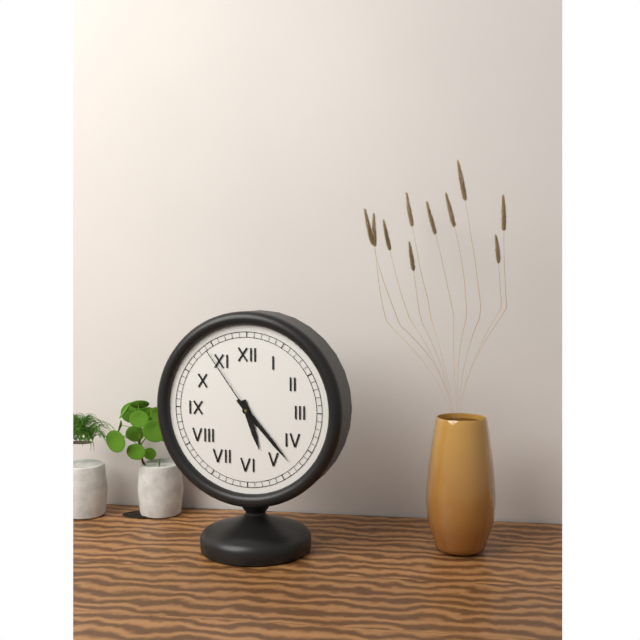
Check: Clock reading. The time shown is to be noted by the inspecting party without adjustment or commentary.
5:23:54
